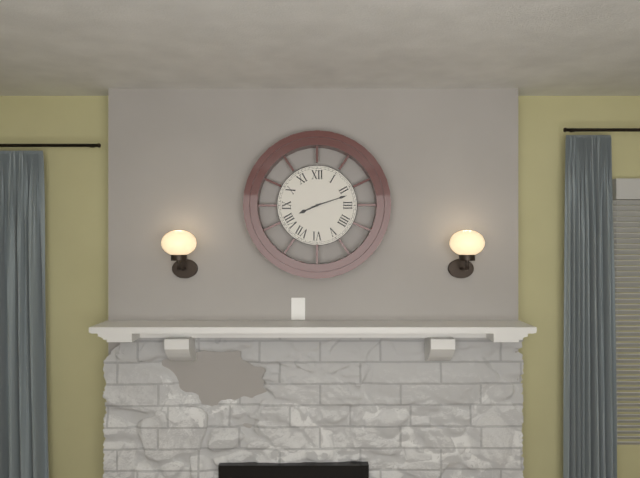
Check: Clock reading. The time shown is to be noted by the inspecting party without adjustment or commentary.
8:12
